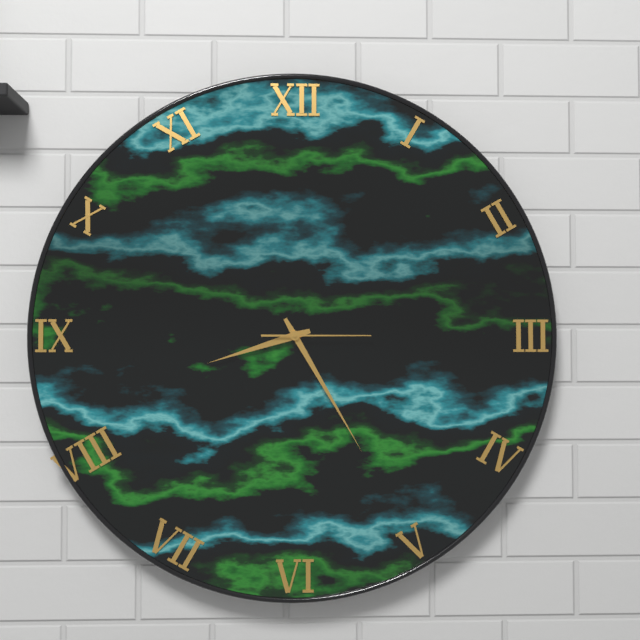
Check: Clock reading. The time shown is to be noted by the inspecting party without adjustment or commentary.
8:25:15
